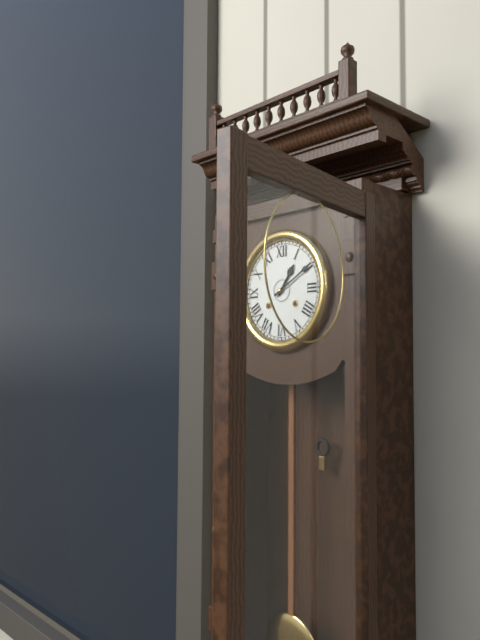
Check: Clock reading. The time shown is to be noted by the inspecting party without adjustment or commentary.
1:10
